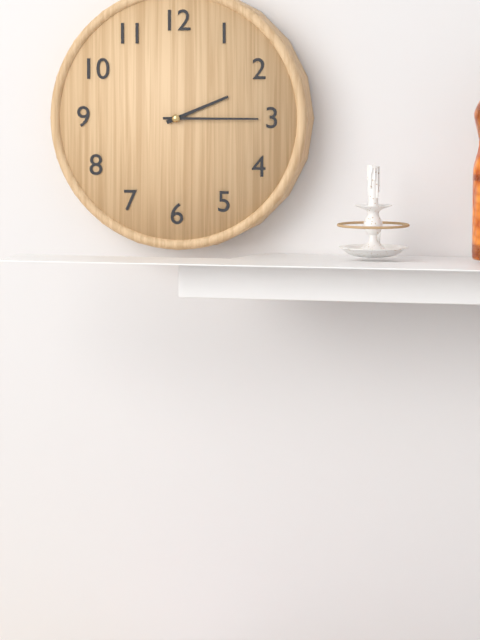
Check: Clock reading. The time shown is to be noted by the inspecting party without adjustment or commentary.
2:15
